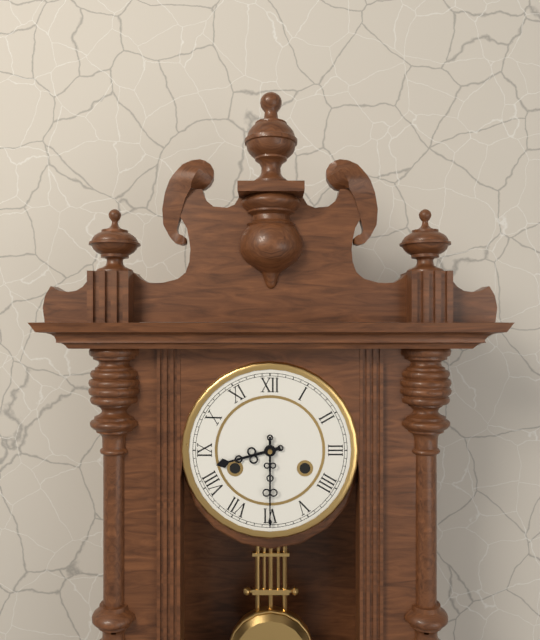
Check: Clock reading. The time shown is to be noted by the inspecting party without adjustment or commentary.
8:30
